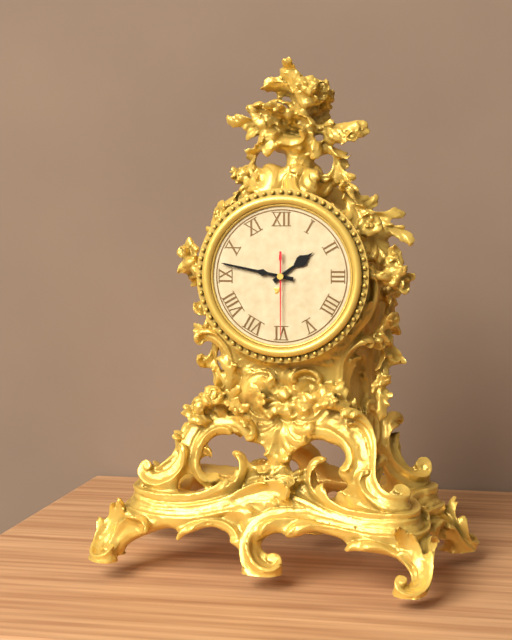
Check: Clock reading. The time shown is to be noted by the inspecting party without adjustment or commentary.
1:47:30
